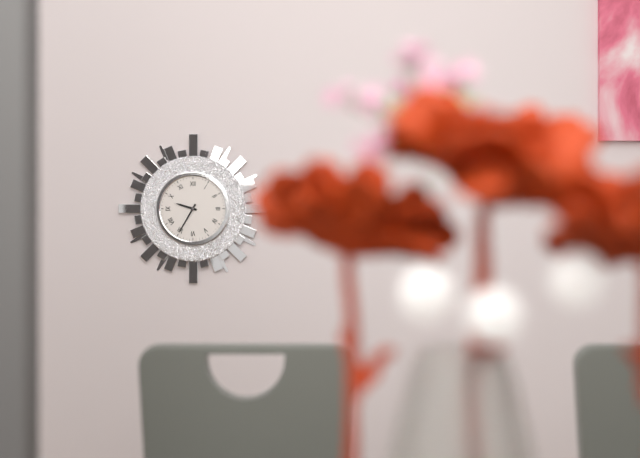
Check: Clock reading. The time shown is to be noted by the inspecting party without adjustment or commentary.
9:35
